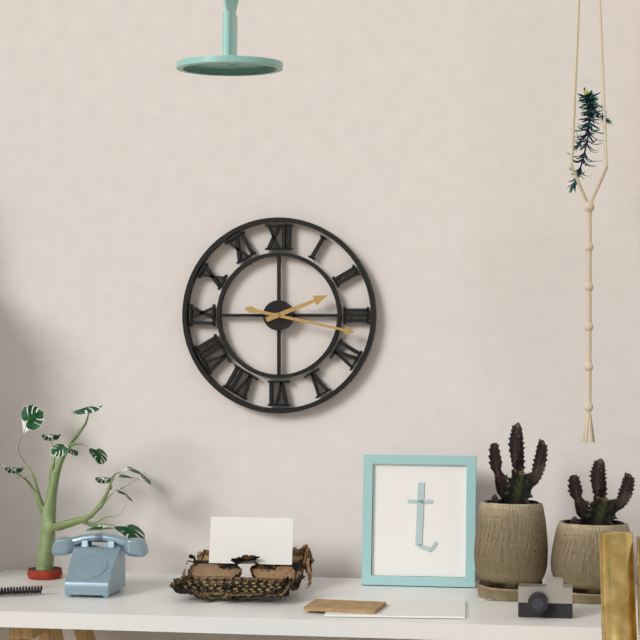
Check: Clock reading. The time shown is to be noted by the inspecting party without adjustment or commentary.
2:17
